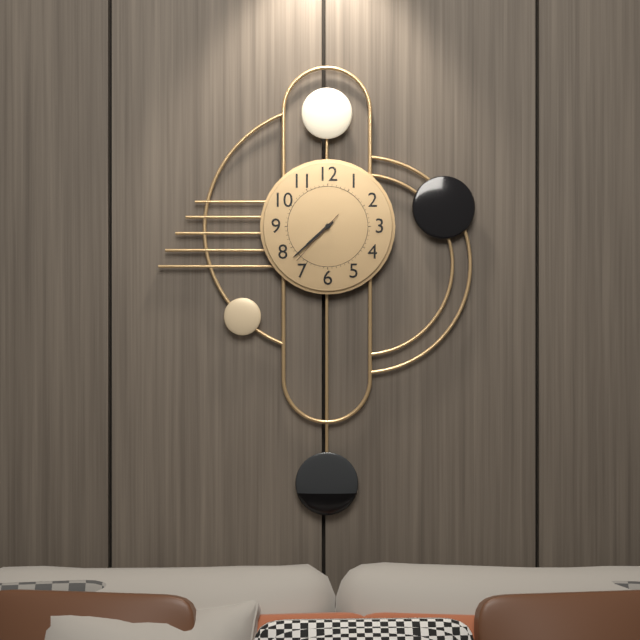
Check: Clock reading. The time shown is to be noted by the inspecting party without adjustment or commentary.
7:38:37
